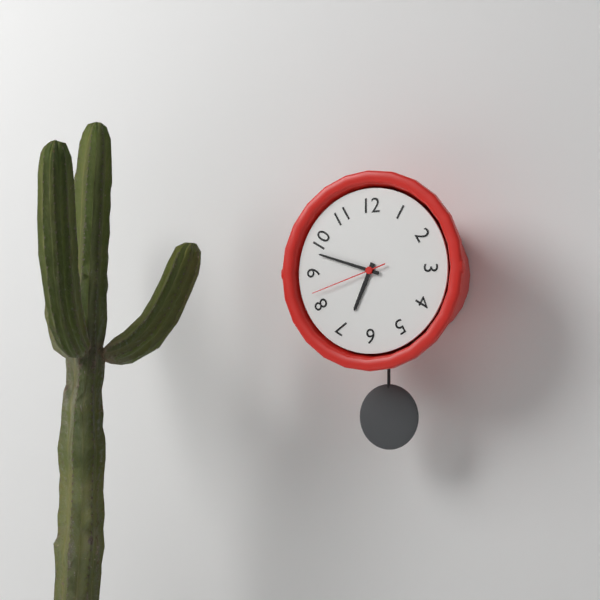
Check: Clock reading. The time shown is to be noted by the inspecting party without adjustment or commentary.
6:48:42
